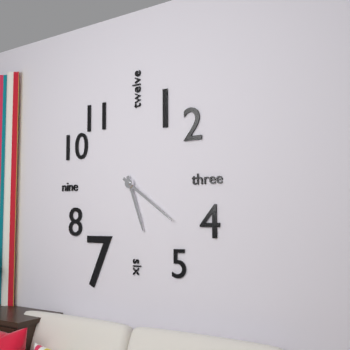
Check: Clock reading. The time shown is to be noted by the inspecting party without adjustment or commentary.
5:21
